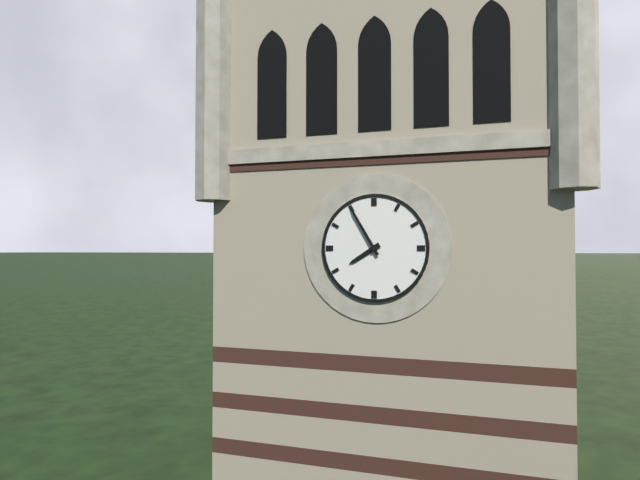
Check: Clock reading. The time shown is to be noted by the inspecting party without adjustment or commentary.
7:55
